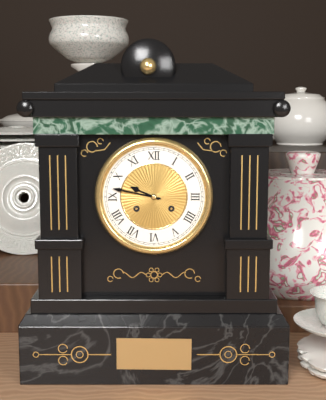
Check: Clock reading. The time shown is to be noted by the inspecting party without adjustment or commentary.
9:47
